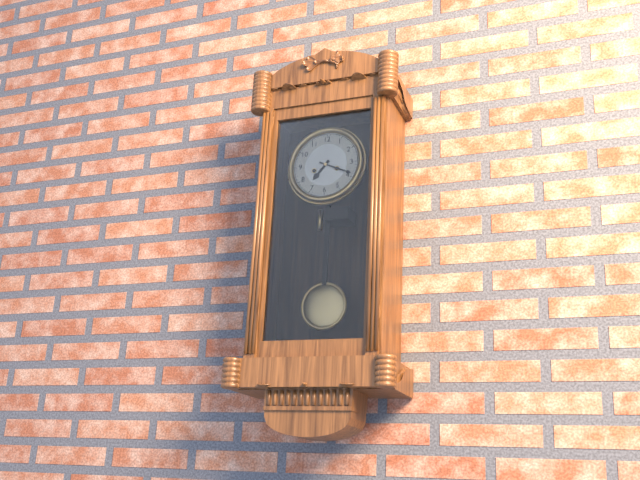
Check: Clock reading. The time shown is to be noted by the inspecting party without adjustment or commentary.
7:19
